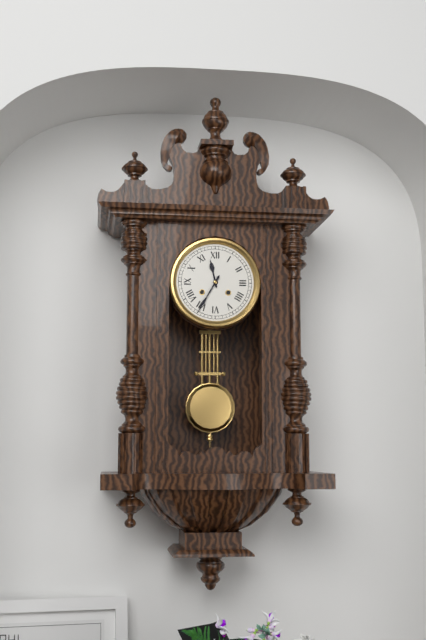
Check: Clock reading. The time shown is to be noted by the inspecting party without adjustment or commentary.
11:35
